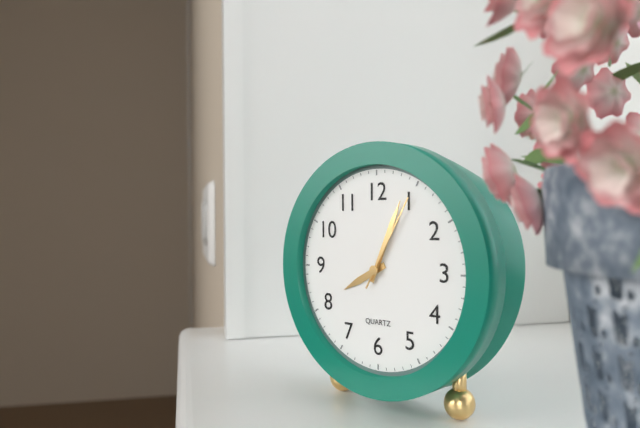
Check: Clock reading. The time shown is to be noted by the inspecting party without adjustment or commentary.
8:04:05
